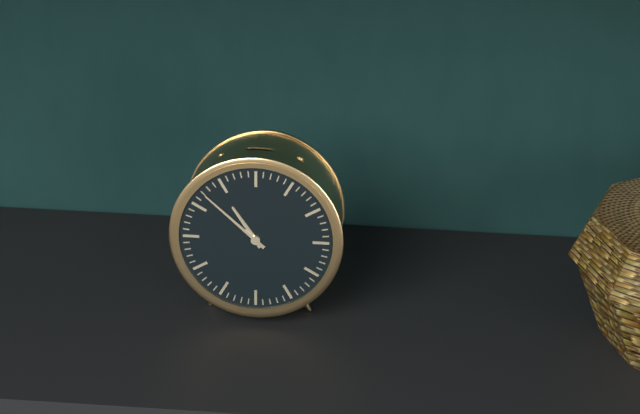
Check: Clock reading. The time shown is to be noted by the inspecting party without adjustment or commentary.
10:52
